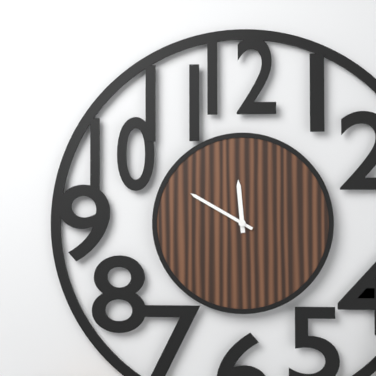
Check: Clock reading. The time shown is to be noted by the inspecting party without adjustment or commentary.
11:50
